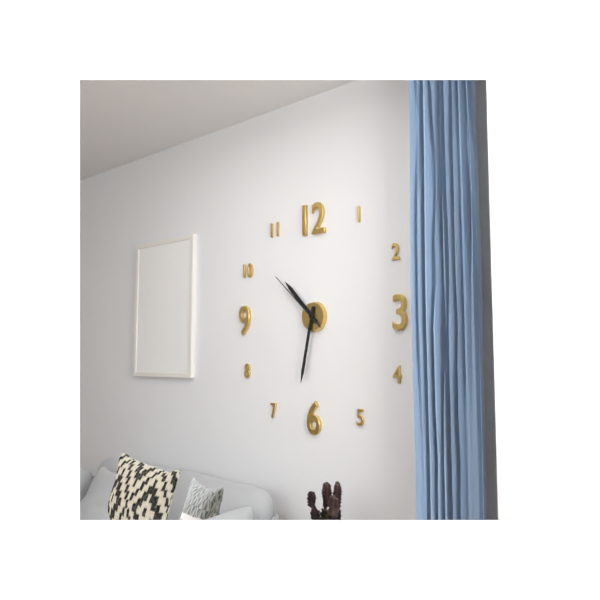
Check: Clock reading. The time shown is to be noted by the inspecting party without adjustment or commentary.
10:32:52
